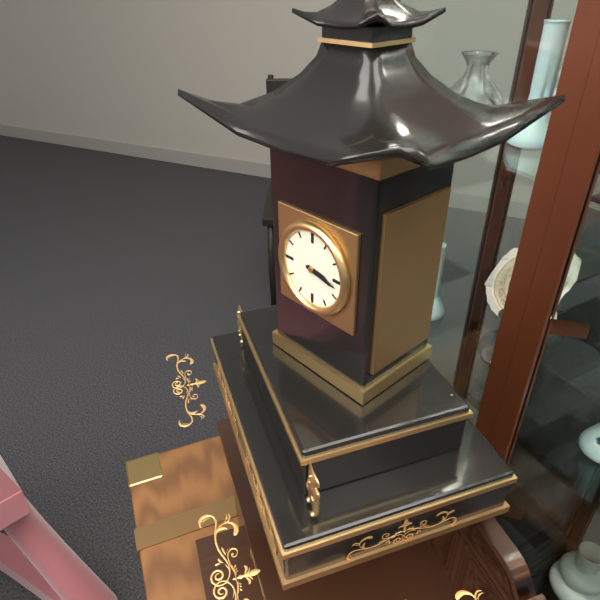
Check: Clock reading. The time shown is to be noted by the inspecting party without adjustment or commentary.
3:17
